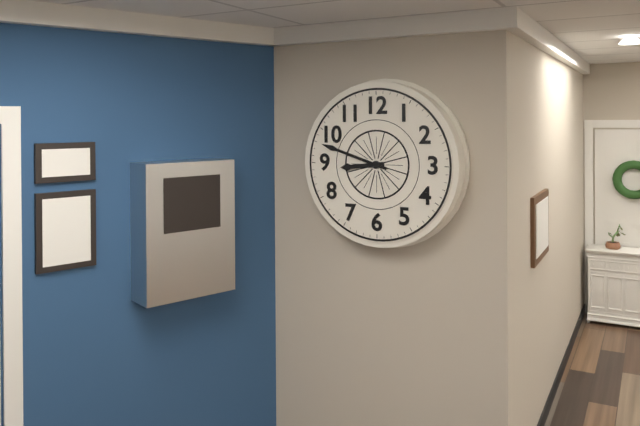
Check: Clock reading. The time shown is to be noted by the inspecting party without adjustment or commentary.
8:48
